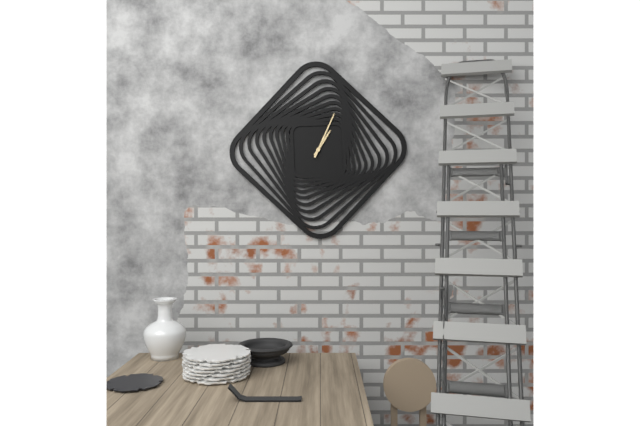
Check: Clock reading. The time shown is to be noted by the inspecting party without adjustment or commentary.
1:04
